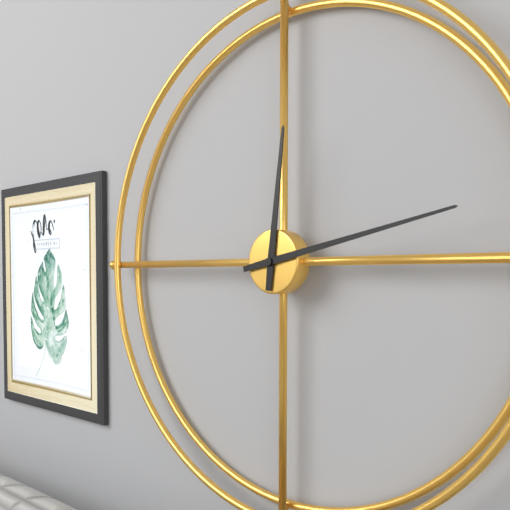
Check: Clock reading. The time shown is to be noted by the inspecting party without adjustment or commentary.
12:13
